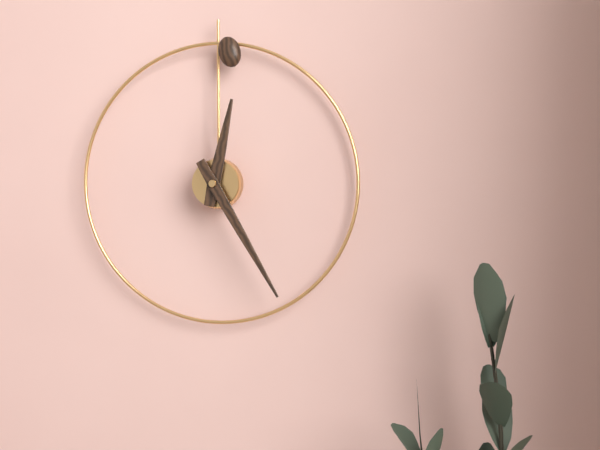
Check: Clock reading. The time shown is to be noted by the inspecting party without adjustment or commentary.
12:25
